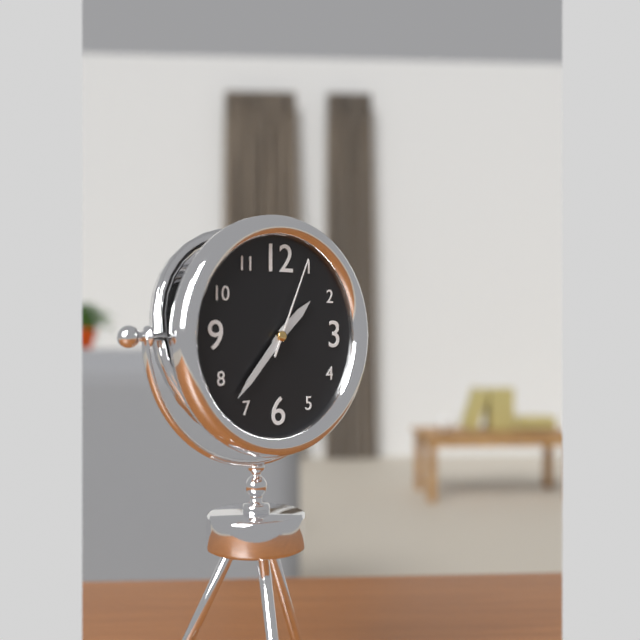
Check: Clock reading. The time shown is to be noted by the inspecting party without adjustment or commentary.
1:37:04
